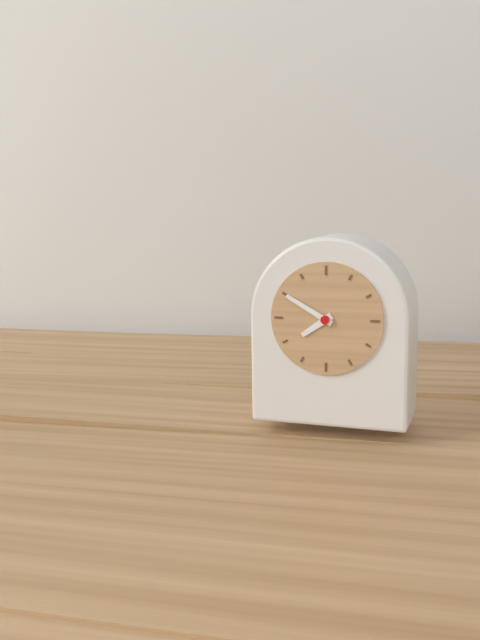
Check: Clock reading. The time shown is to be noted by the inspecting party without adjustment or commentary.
7:50
